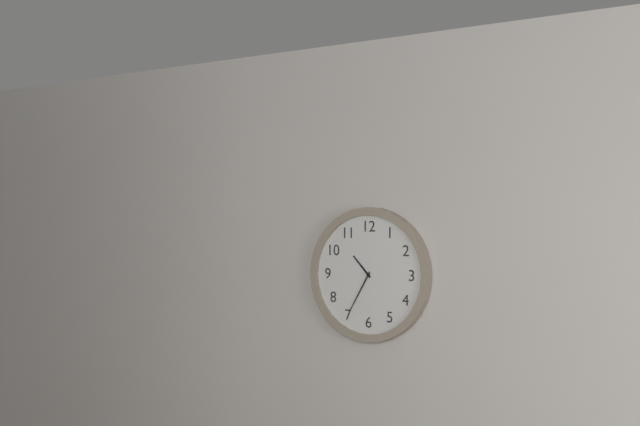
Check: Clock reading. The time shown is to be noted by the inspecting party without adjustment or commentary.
10:35
